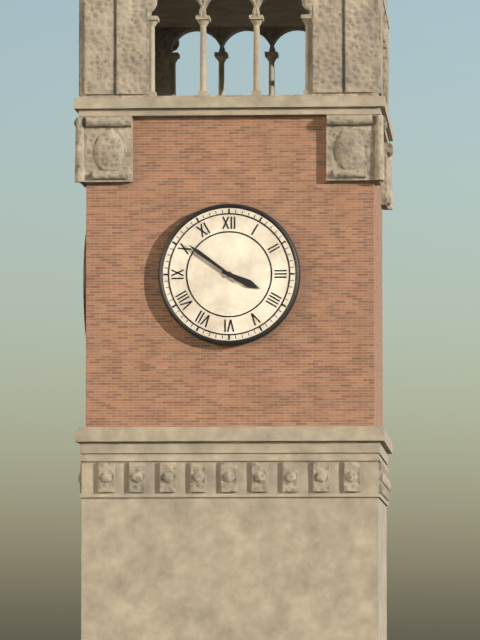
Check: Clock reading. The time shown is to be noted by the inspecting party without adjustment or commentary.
3:51
